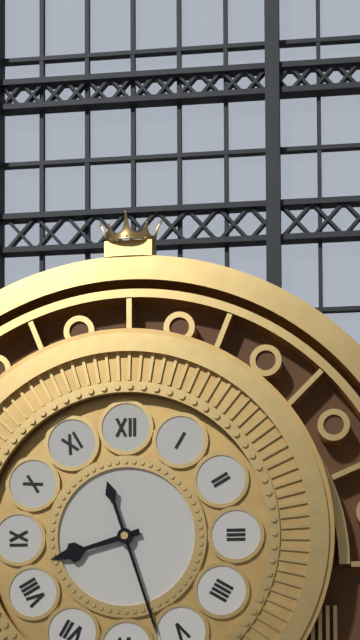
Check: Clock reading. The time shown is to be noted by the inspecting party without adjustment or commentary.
8:27
